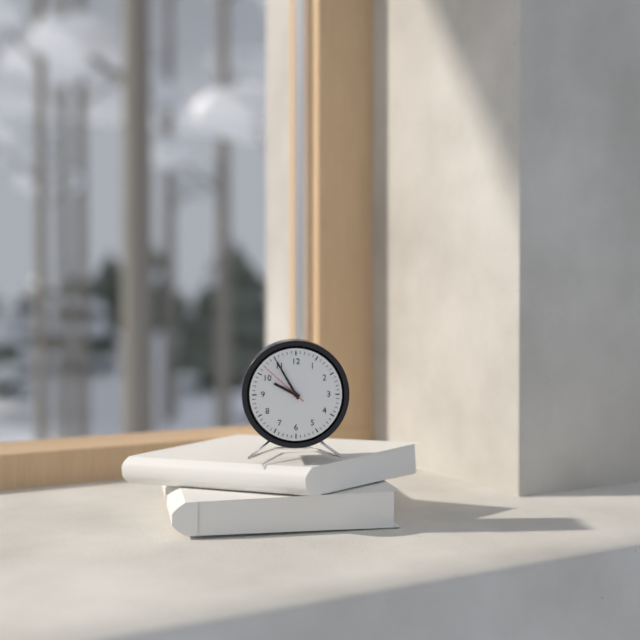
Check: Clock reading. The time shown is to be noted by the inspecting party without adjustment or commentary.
9:55
